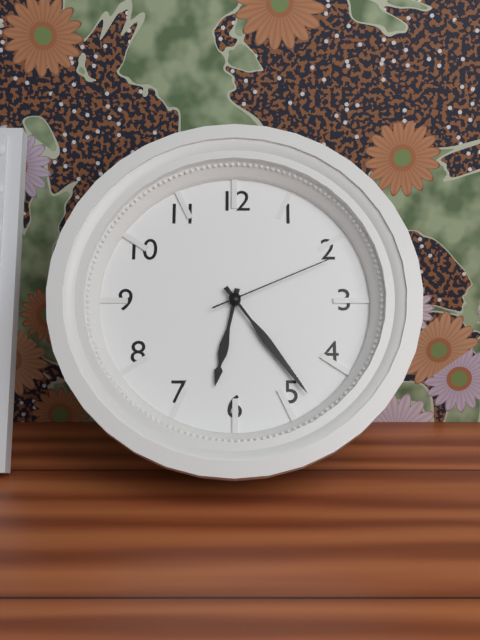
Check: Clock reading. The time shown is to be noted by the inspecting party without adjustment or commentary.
6:24:11
